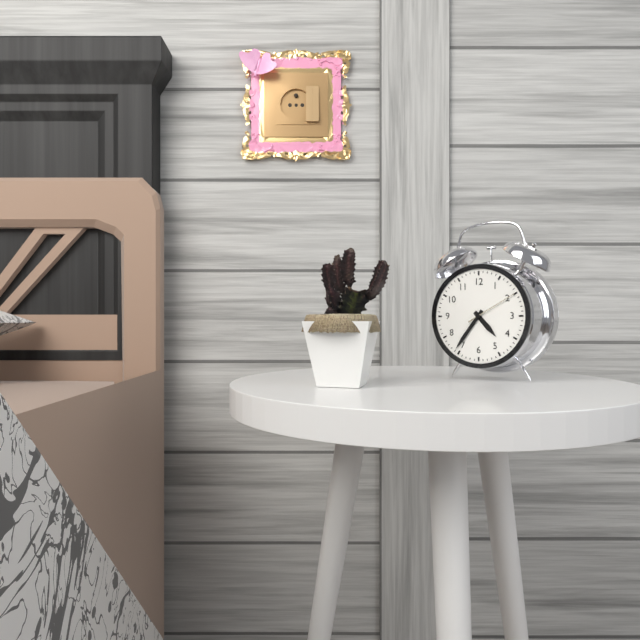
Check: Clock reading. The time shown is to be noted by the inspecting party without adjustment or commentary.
4:36:10
